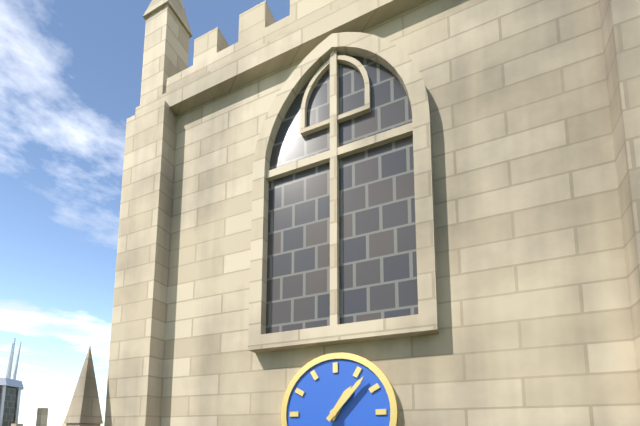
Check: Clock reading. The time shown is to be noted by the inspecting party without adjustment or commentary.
1:07
